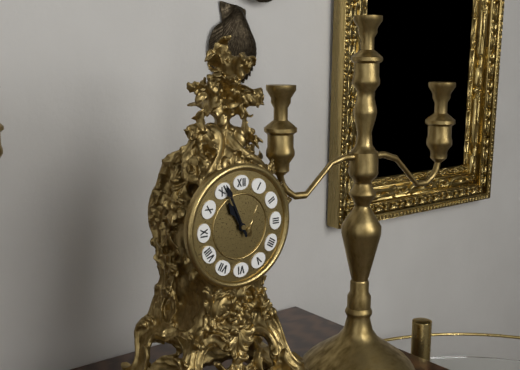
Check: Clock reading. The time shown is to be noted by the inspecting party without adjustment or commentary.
10:56
